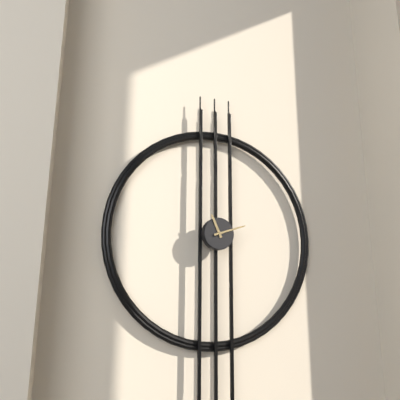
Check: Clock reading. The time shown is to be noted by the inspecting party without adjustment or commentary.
11:12
